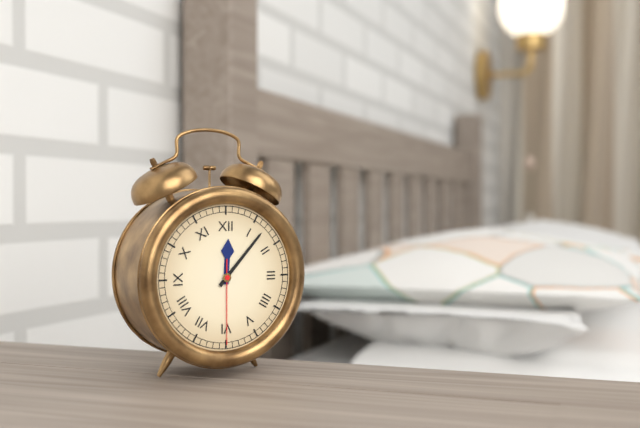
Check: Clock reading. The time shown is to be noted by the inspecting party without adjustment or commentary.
12:07:30
